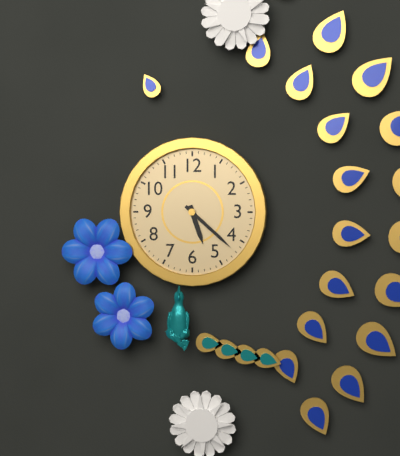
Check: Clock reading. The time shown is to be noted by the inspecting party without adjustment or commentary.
5:22
